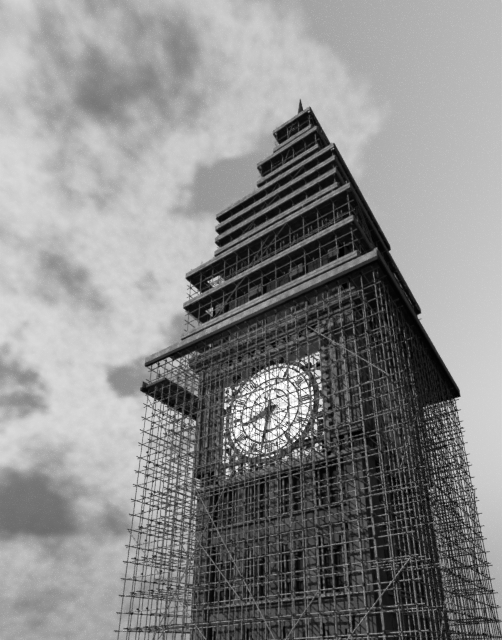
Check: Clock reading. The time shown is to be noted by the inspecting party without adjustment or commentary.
8:32
